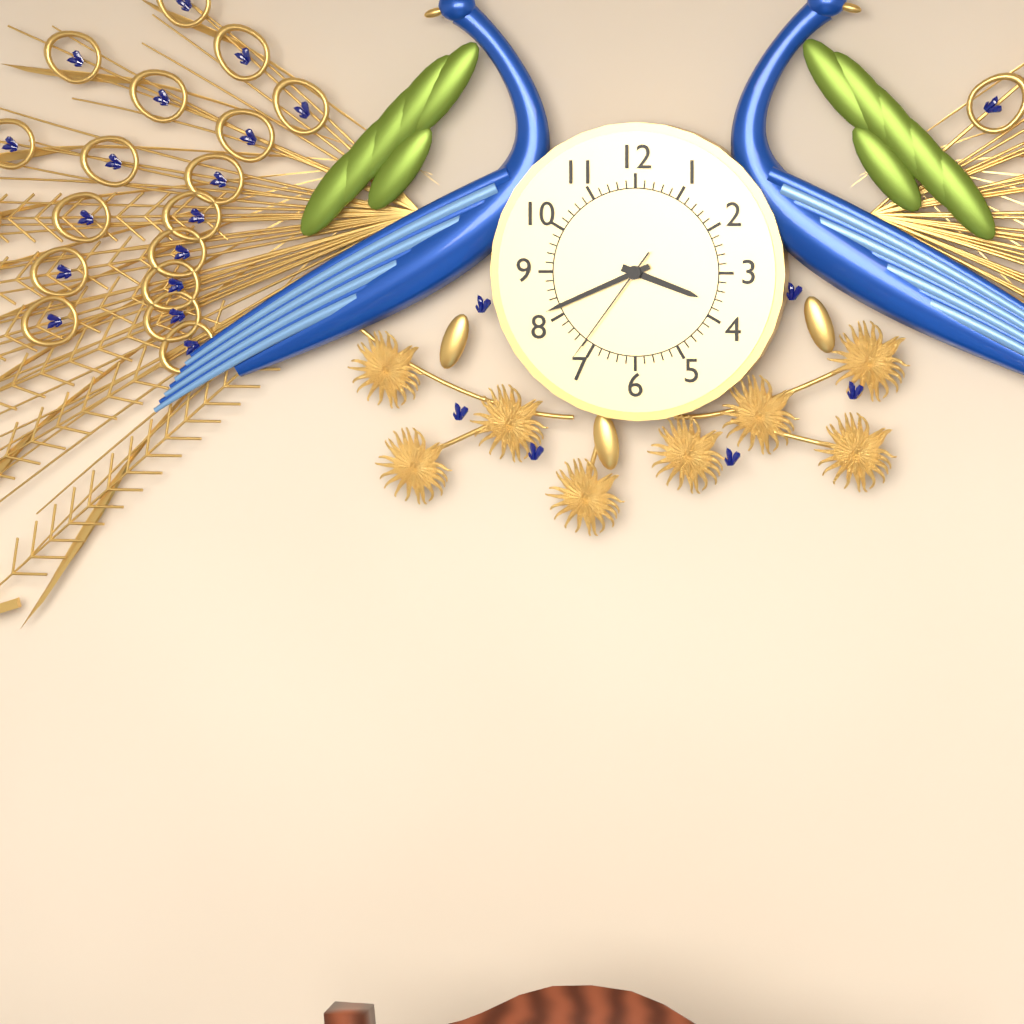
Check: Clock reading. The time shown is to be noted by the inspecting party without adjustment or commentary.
3:41:36
